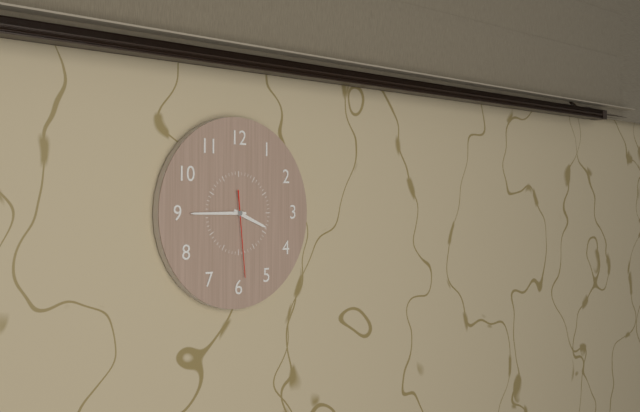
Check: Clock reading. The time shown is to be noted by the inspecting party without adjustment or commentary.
3:45:29
